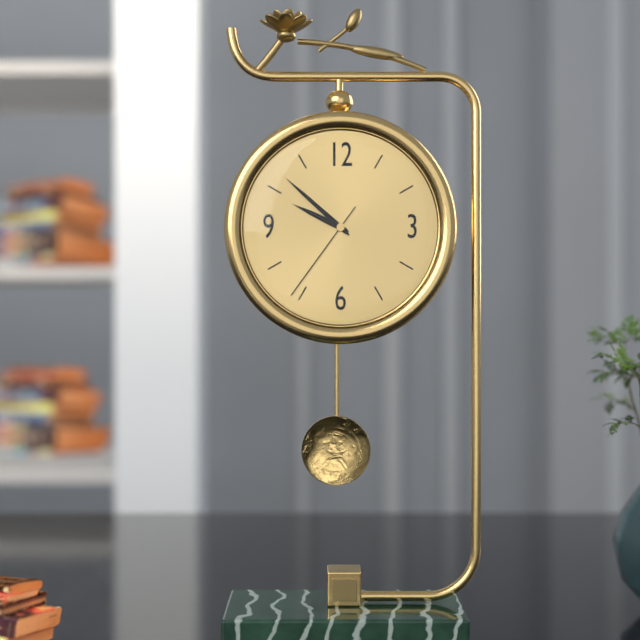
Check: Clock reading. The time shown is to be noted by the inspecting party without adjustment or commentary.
9:52:36
